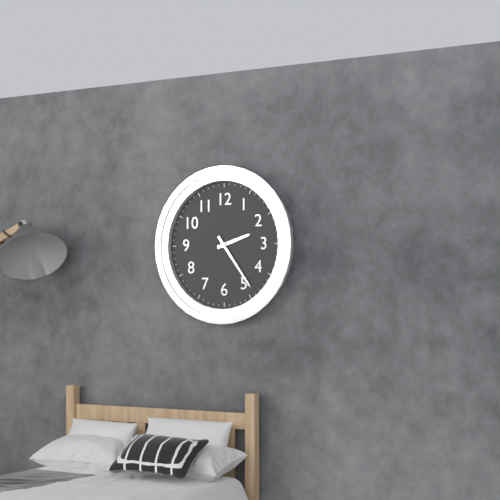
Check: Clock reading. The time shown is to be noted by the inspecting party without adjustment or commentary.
2:24
